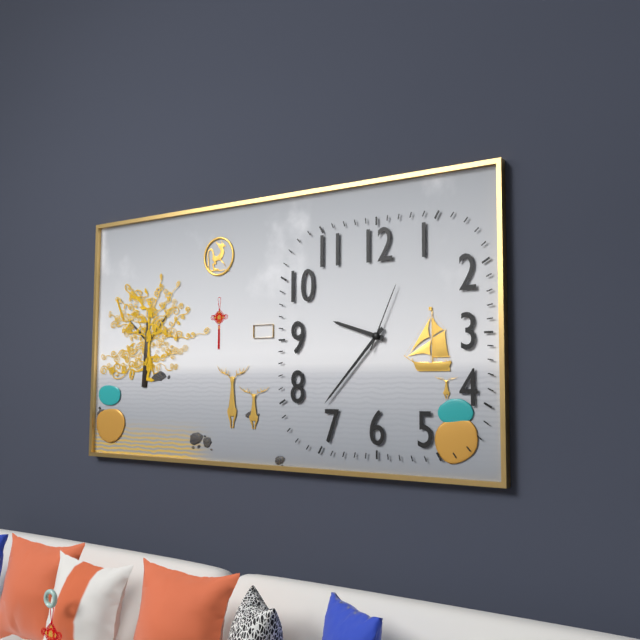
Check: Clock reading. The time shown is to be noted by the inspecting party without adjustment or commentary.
9:37:04
